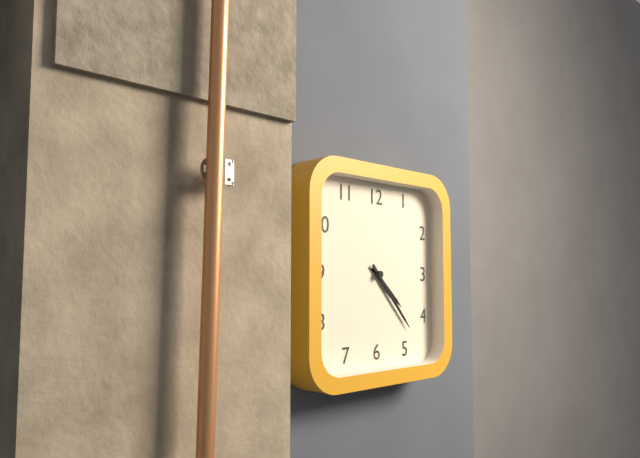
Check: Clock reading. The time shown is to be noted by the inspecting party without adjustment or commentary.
4:23
